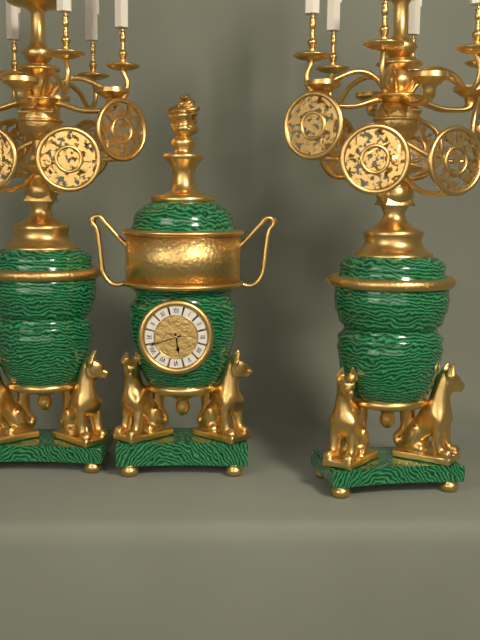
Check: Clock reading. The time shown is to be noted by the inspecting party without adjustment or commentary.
5:42
